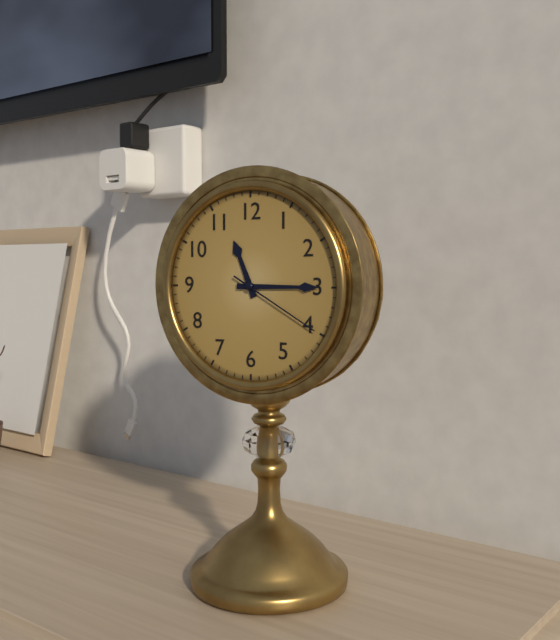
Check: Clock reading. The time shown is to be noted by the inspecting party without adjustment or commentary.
11:15:20
